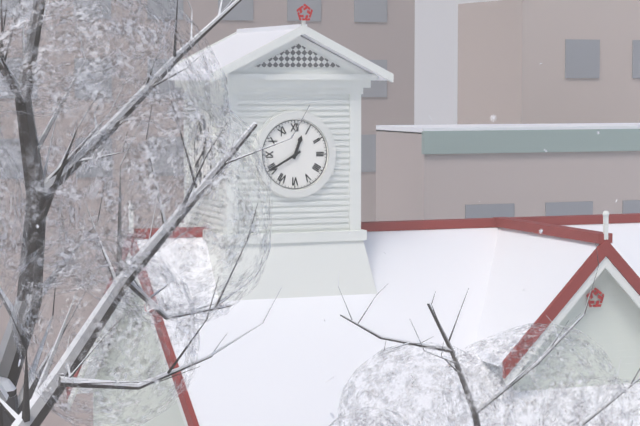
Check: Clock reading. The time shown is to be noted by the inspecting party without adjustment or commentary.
12:40
